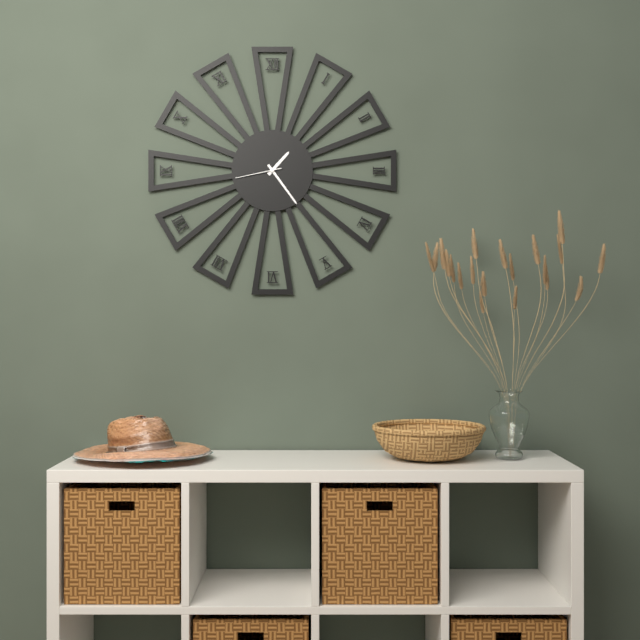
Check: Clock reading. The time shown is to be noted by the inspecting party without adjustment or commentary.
1:24
